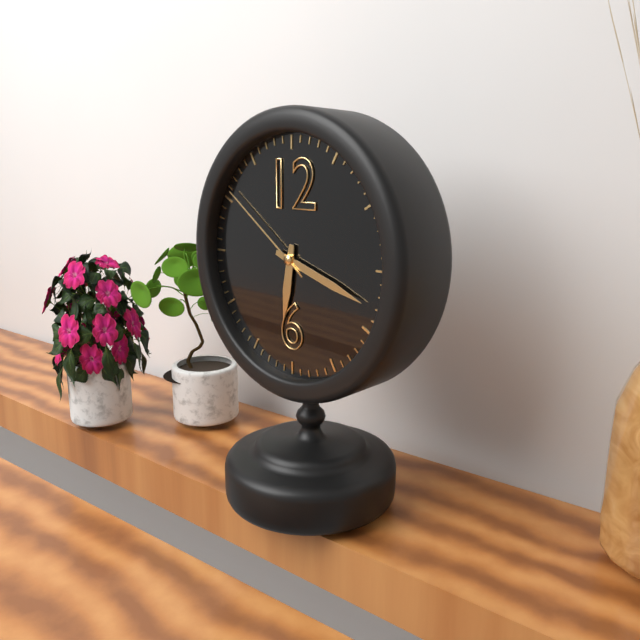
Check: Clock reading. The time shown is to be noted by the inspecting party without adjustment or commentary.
6:18:51
